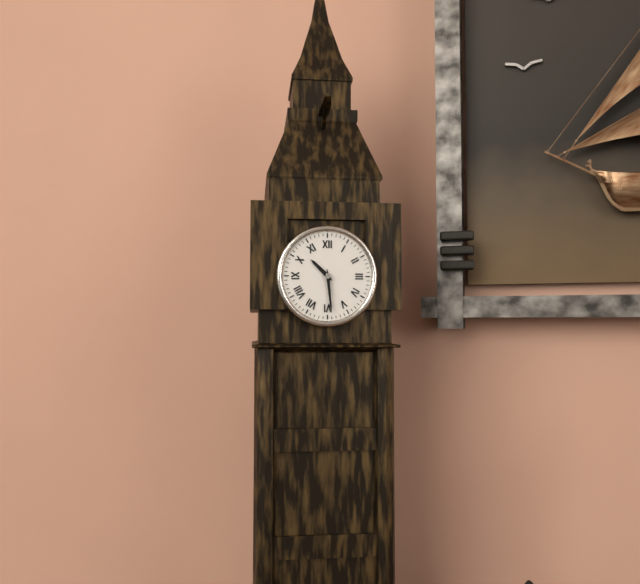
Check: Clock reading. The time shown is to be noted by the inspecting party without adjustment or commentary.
10:29
